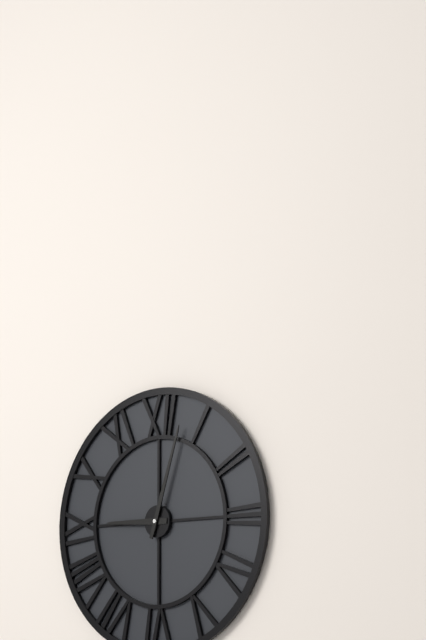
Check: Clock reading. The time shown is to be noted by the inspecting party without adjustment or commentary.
9:03
